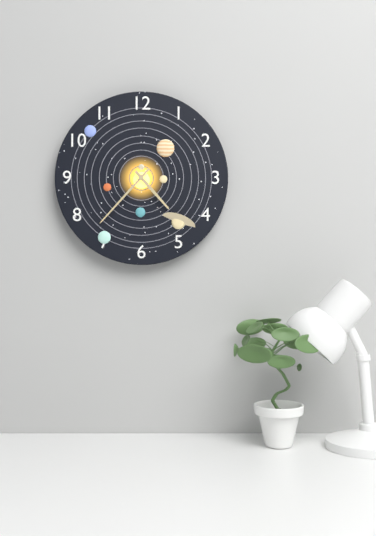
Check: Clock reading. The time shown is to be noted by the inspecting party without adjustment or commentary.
4:37
